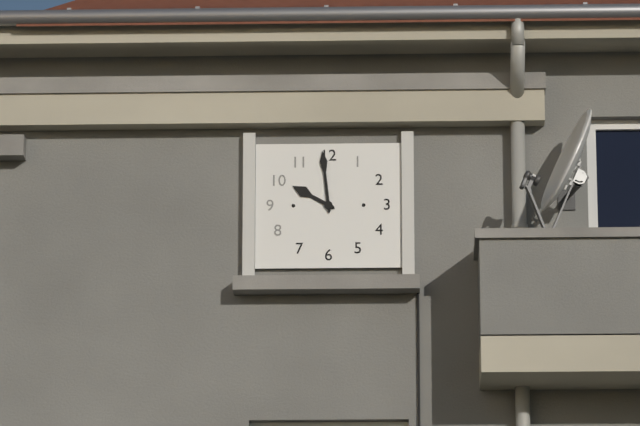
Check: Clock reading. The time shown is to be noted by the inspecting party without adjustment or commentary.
9:59
